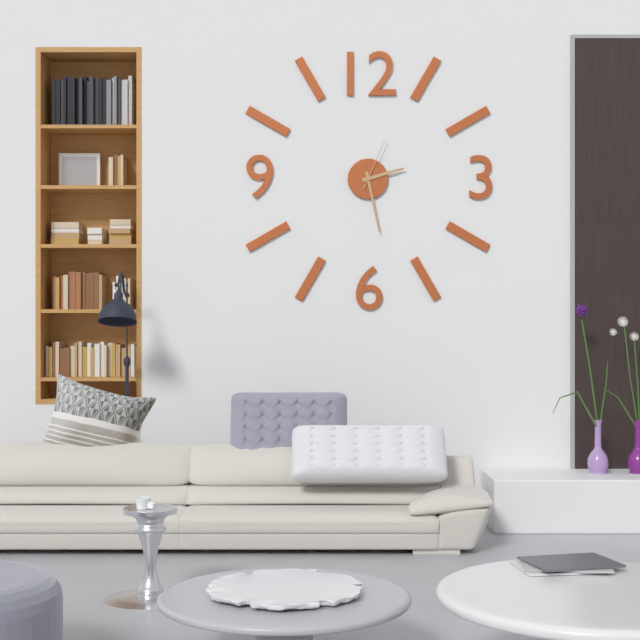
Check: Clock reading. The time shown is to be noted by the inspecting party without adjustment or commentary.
2:28:04
